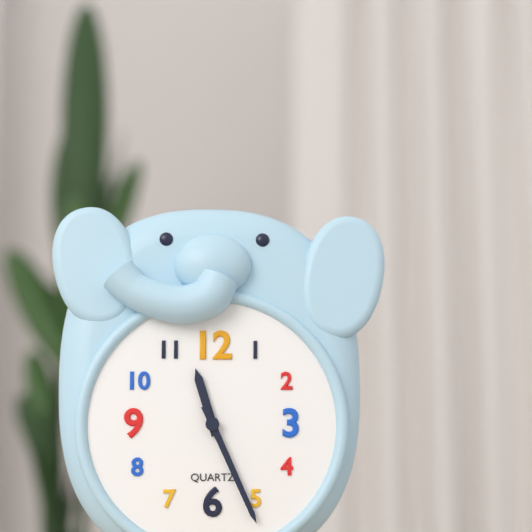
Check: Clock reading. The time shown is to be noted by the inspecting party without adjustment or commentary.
11:26
